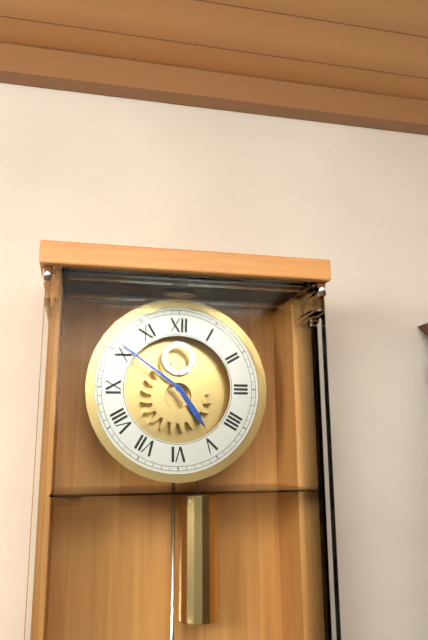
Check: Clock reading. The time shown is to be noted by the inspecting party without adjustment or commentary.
4:51
